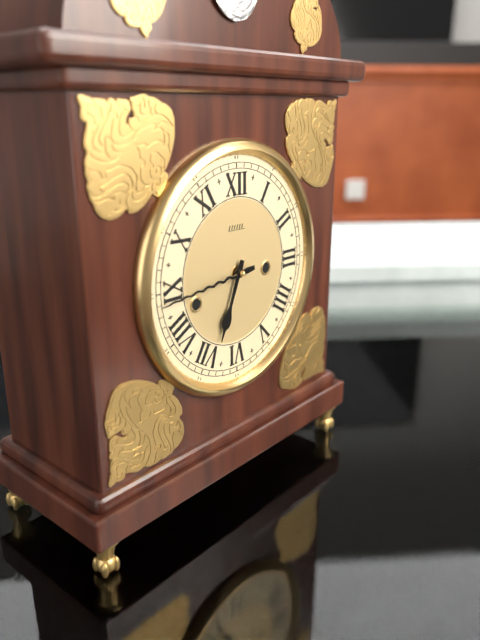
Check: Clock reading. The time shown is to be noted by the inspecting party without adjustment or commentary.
6:44
